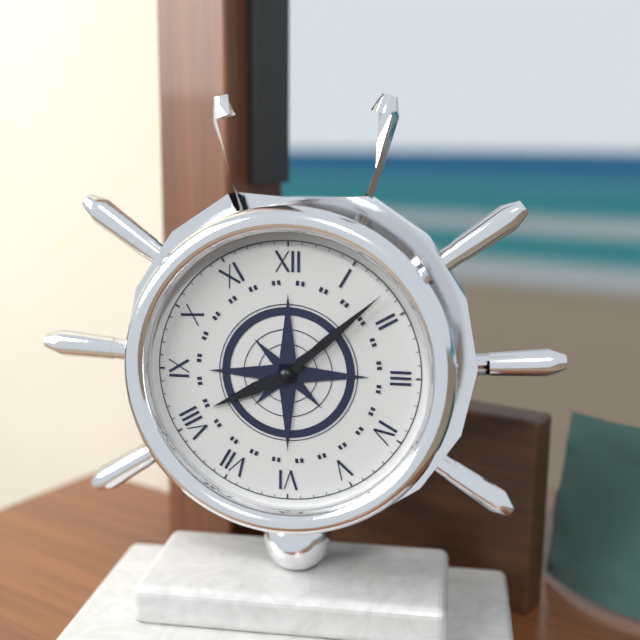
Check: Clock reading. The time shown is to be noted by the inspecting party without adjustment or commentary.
8:08
